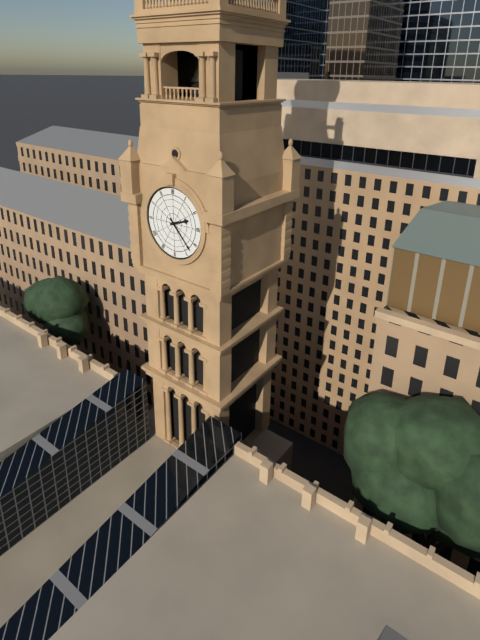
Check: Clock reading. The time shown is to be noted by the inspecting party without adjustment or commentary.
2:23
